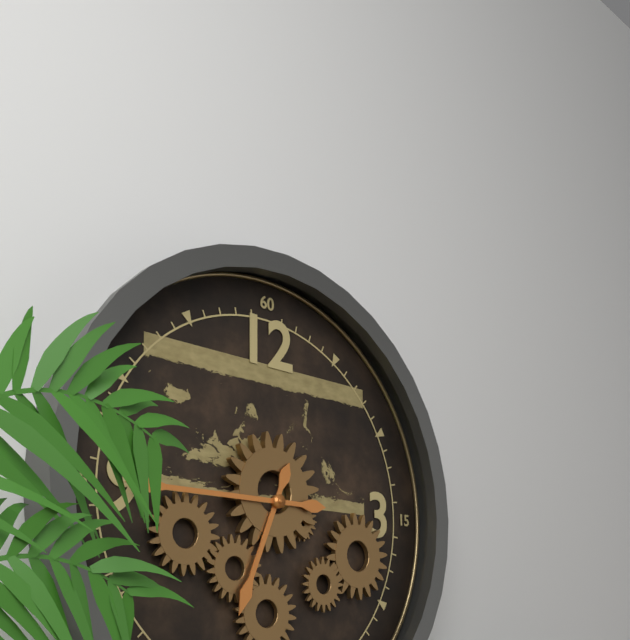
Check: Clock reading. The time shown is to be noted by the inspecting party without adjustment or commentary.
6:45
